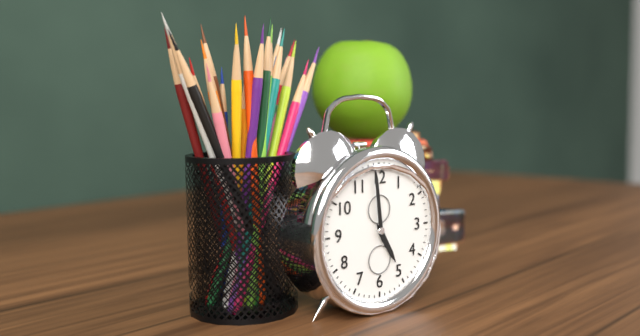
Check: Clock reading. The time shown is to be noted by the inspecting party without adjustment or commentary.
4:59
